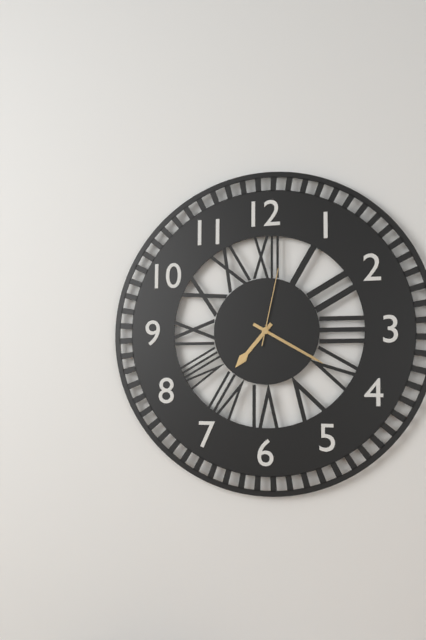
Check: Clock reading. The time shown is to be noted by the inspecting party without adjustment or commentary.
7:20:02
